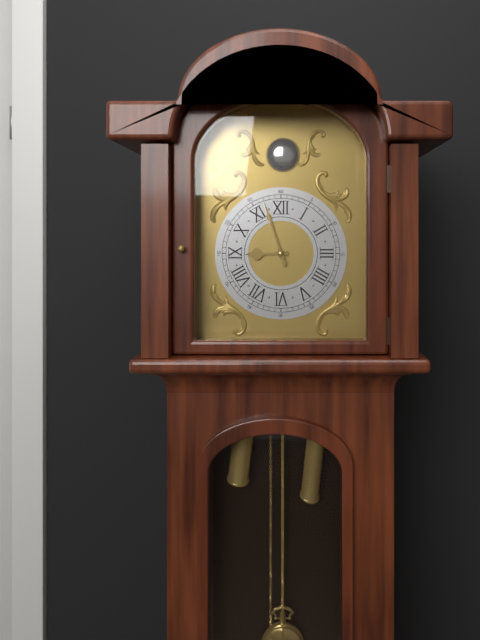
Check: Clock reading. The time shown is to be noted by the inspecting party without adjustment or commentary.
8:57
